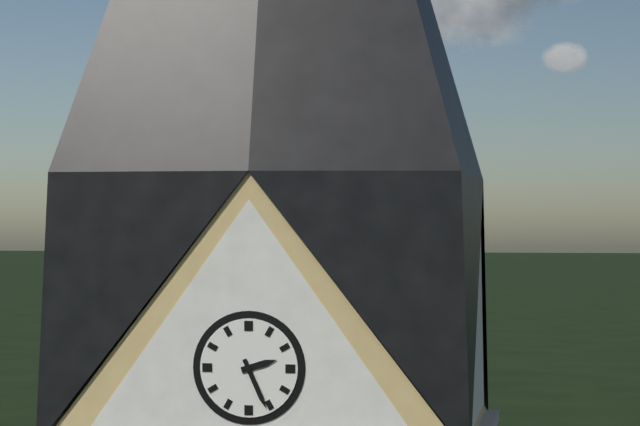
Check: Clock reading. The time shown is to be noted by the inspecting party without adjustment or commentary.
2:26
